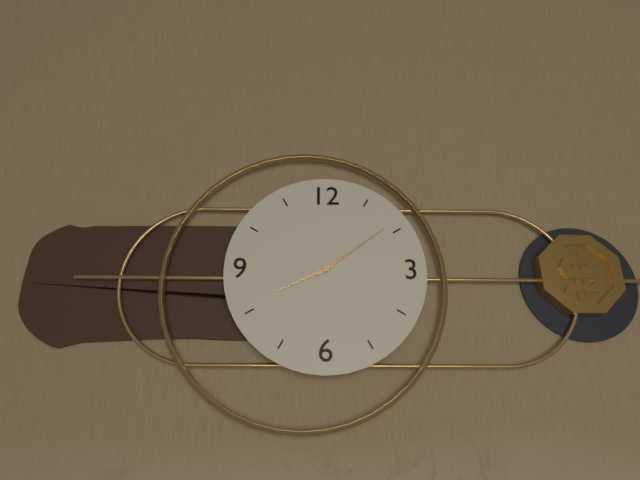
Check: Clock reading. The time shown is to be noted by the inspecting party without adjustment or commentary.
8:09
